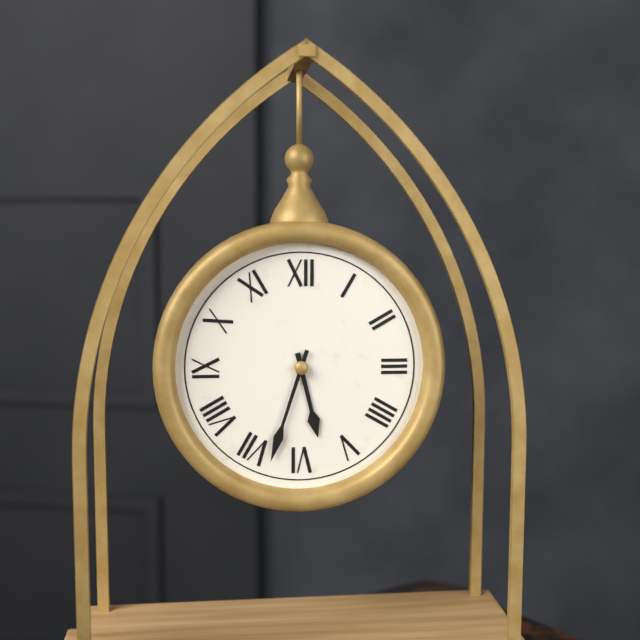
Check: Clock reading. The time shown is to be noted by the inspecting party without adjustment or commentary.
5:33
